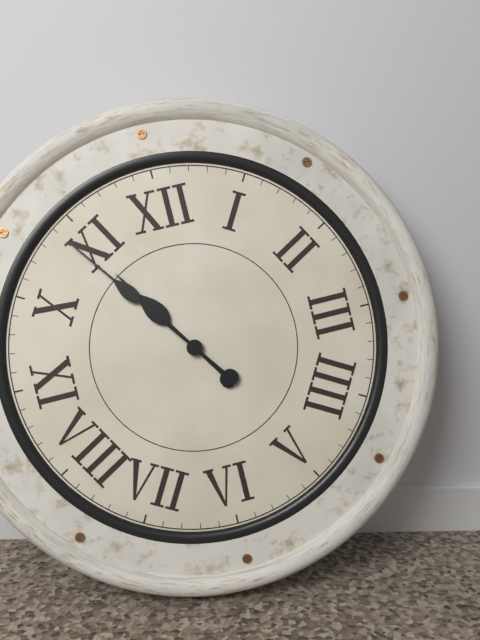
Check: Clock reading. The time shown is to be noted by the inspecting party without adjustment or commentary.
10:54
